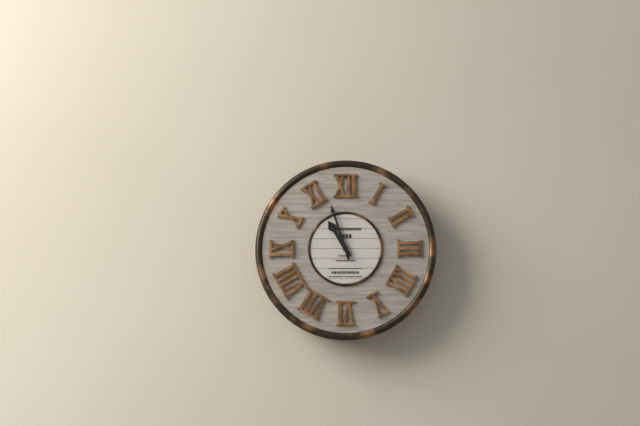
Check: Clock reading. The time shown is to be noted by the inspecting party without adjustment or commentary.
10:57
